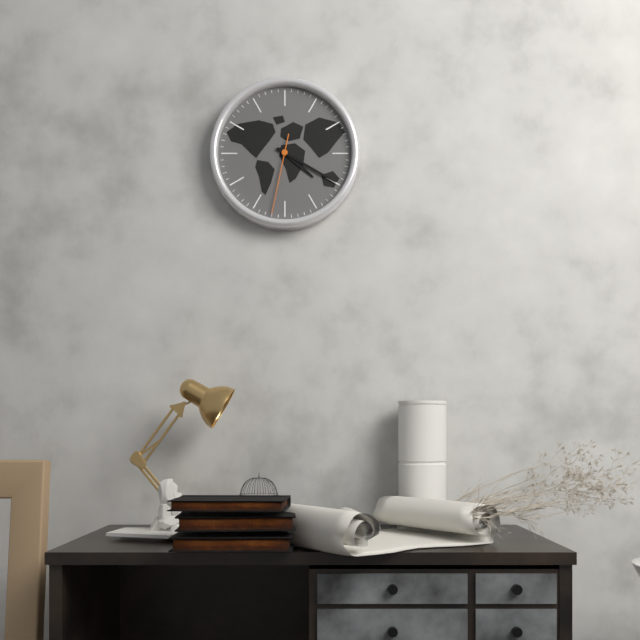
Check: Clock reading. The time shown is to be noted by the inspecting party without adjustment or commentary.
4:20:32
